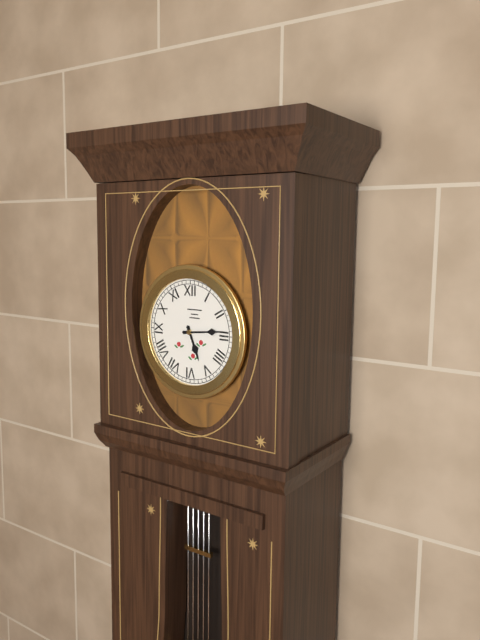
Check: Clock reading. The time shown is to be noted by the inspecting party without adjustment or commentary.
5:14
